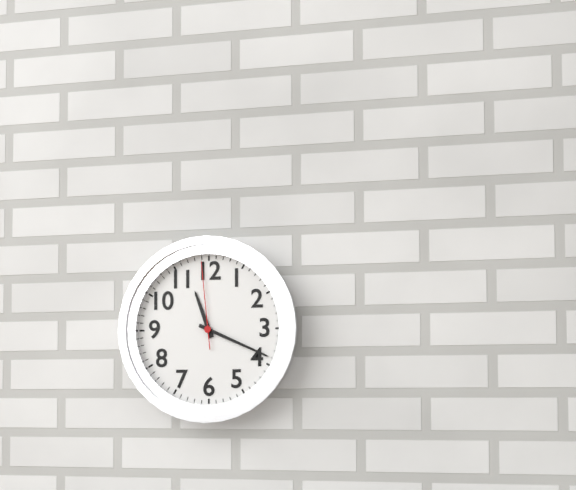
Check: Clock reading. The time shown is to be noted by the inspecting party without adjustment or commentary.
11:19:59
